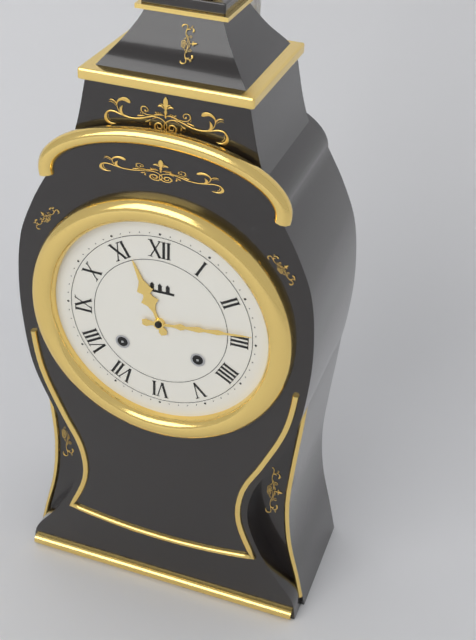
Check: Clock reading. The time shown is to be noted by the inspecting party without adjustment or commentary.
11:14
